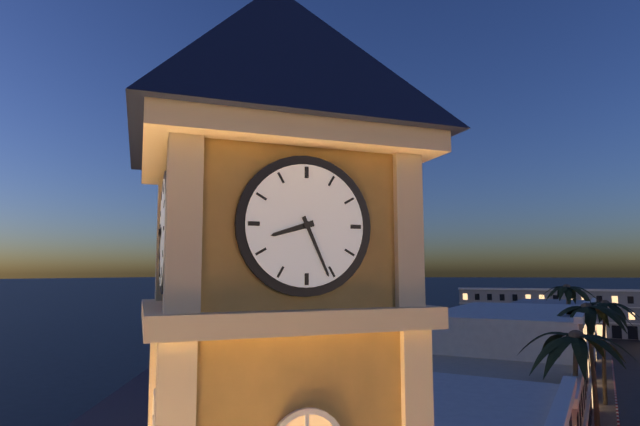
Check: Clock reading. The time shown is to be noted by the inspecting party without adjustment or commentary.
8:26
